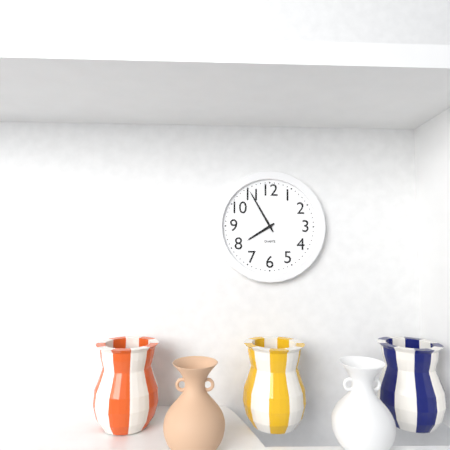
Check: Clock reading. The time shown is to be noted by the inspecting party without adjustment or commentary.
7:55
